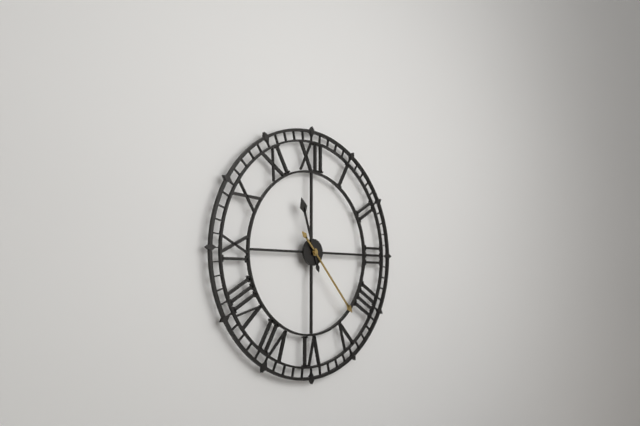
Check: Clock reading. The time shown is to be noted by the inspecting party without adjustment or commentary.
11:23
